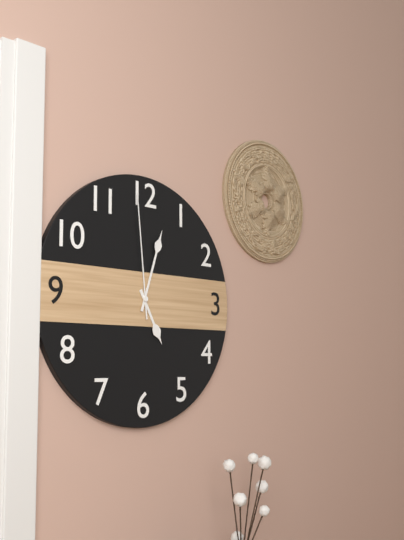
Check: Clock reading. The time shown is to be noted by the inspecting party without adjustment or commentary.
5:03:59
